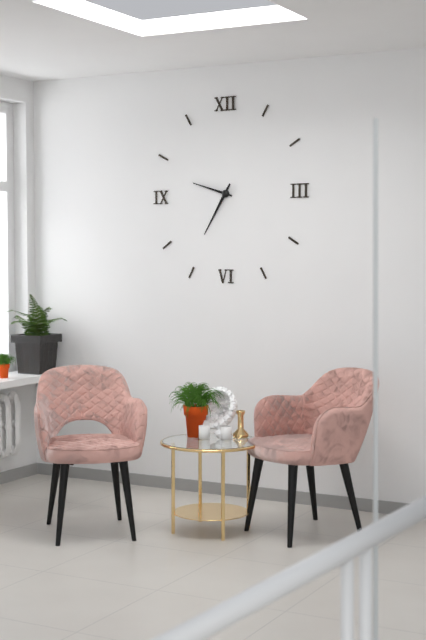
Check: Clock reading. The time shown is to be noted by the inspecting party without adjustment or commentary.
9:35
